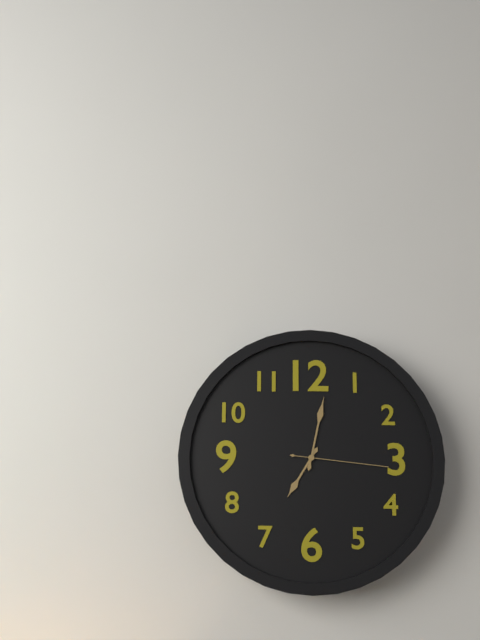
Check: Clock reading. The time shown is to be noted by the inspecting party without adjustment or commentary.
7:02:16
